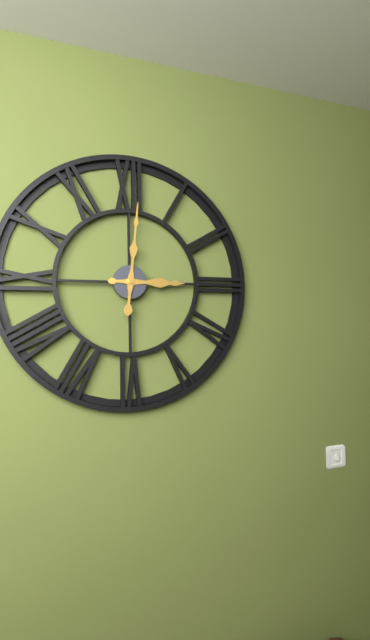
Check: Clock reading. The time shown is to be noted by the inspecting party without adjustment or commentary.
3:01
